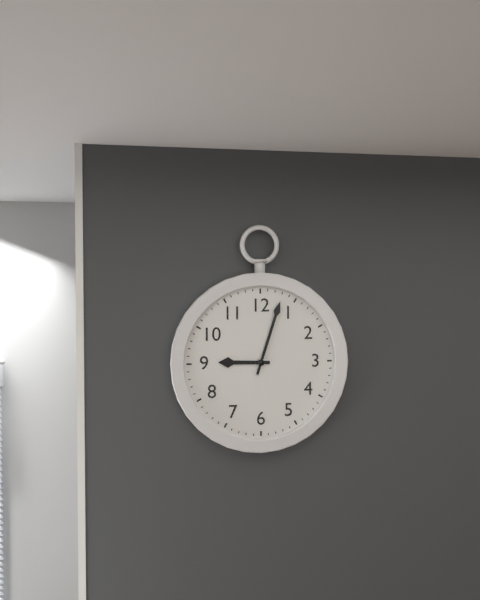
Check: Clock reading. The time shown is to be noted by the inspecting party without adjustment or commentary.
9:03
